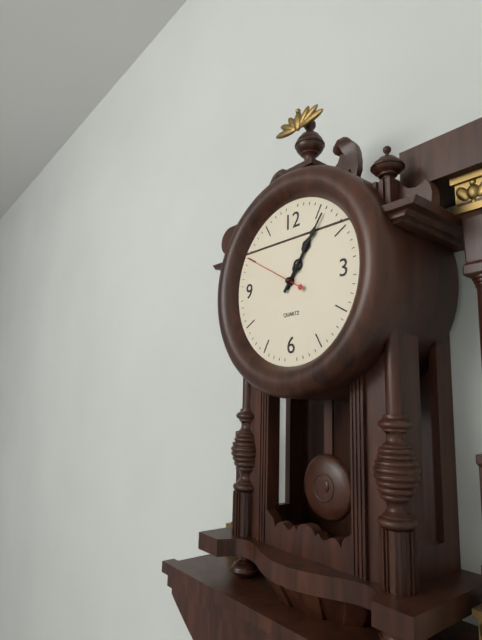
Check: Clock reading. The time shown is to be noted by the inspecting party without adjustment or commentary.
1:06:50
